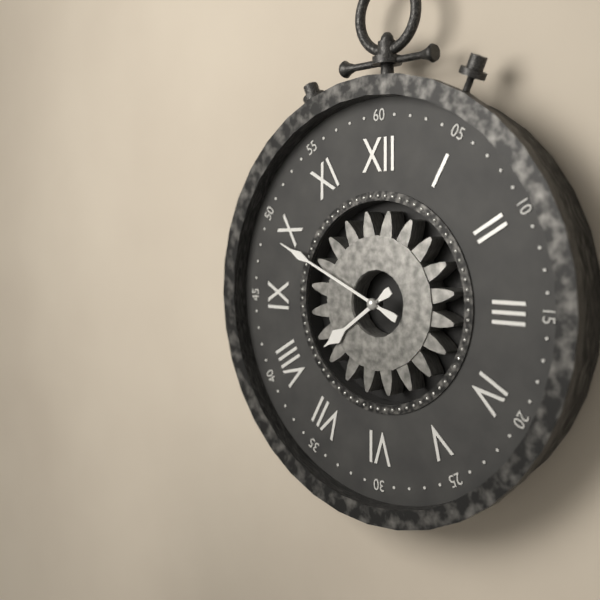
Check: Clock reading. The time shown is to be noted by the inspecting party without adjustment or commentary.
7:49
